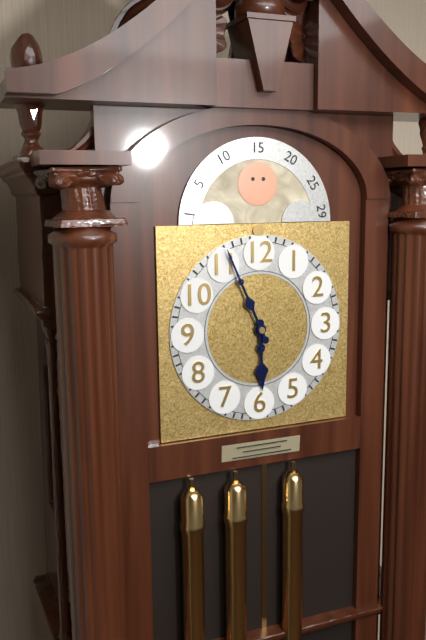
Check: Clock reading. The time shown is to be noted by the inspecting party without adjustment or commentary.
5:56
